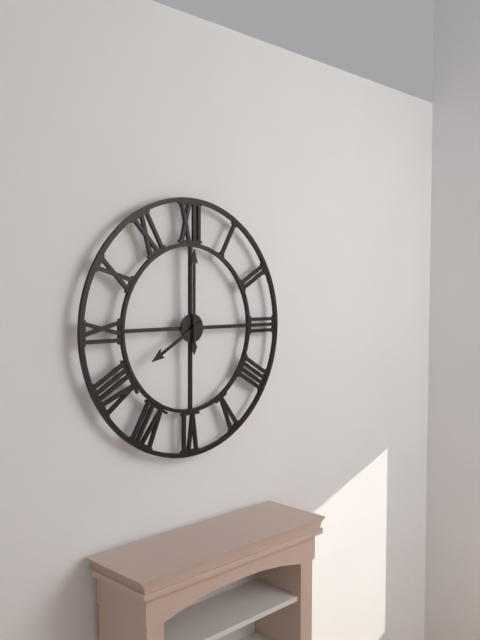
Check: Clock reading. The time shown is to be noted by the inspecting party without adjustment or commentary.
8:00
